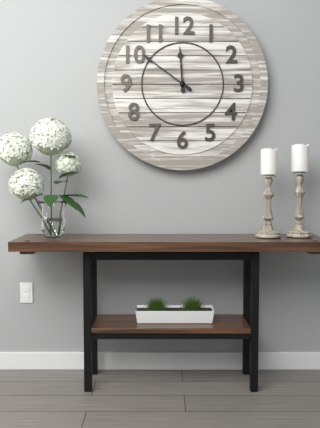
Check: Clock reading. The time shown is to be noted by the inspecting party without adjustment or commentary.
11:51
